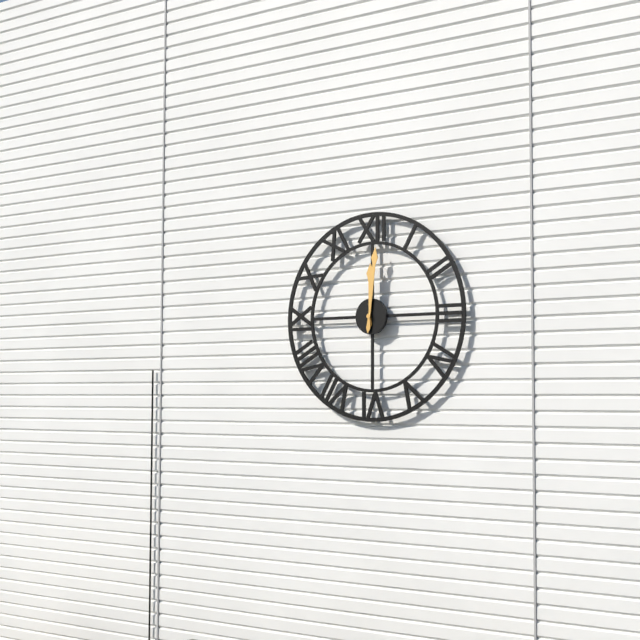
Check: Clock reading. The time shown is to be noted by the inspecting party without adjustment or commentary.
12:01
